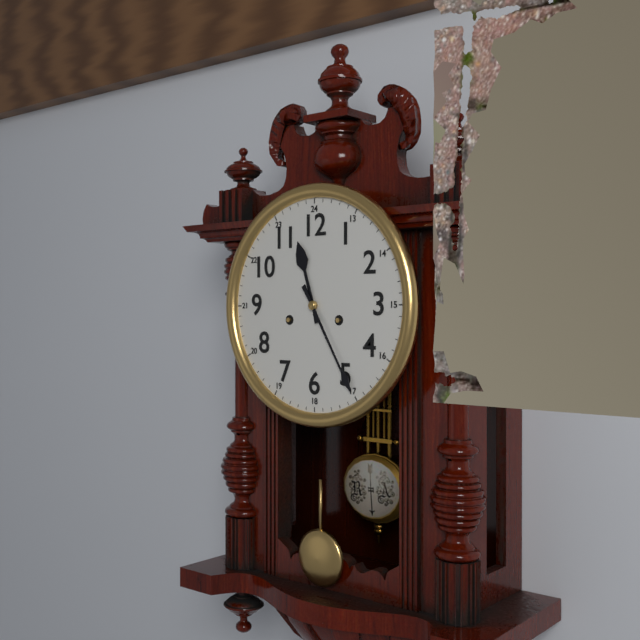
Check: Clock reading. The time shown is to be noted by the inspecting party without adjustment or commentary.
11:25
